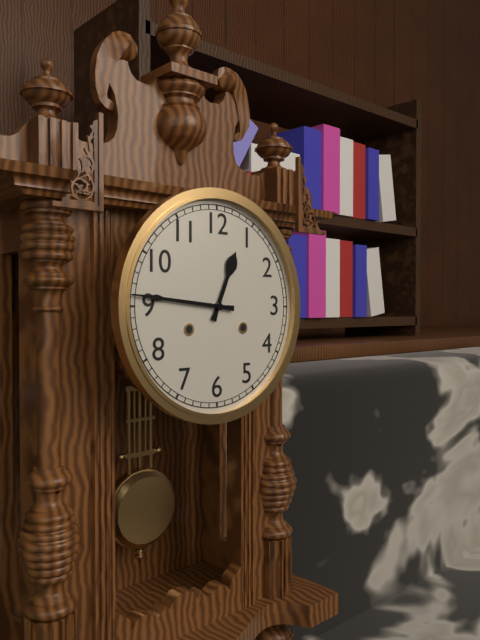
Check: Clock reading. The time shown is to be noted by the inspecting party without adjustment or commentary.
12:46
